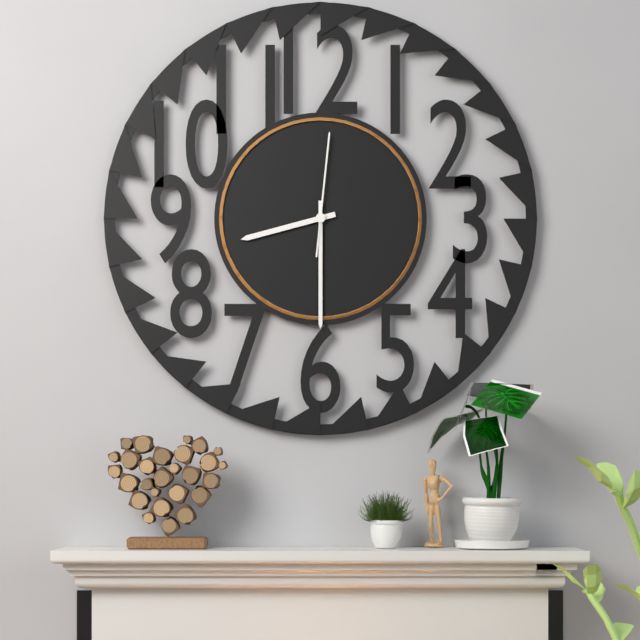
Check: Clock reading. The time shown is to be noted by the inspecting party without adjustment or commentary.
8:30:01
